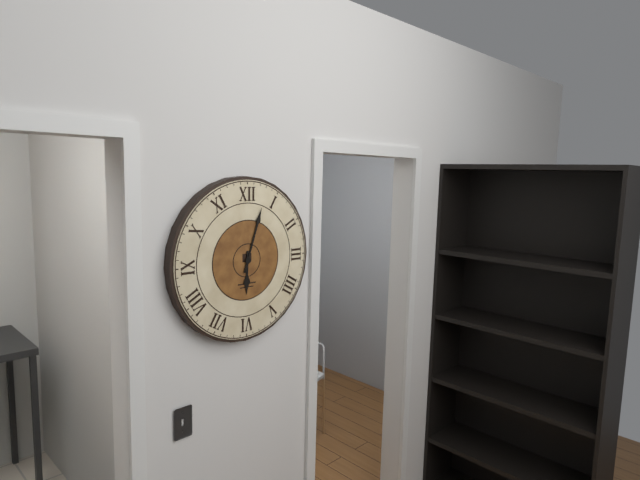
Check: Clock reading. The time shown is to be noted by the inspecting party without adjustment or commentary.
6:03
